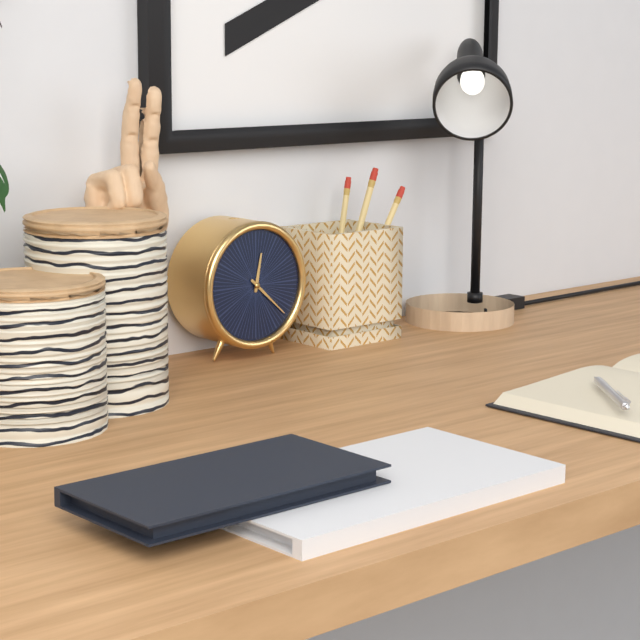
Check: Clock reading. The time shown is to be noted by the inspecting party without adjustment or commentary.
12:22
